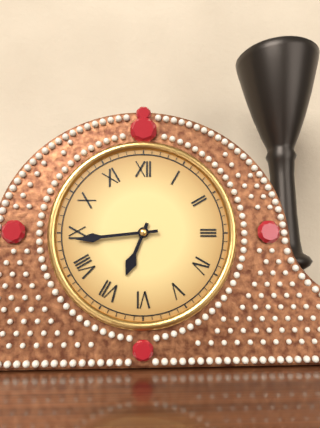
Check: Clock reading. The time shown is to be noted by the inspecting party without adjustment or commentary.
6:44
